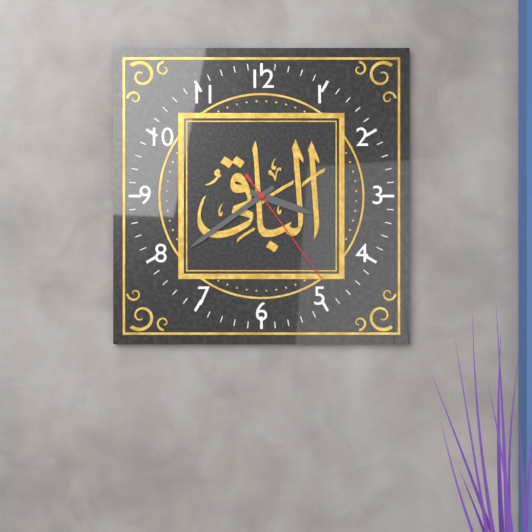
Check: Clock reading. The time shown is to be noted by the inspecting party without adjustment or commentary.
3:39:24
